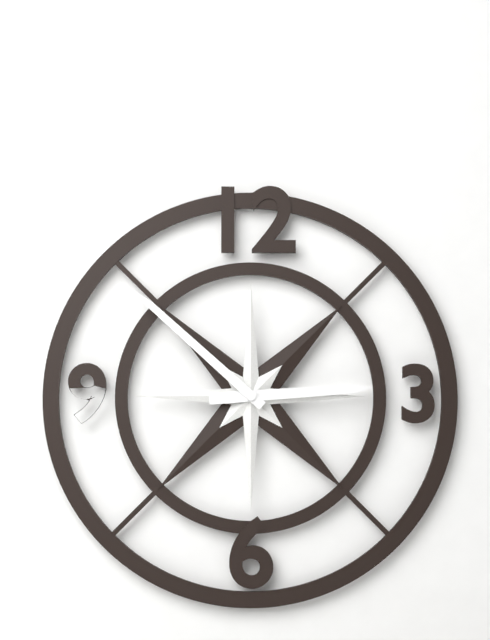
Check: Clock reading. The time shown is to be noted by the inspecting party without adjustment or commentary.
2:52
